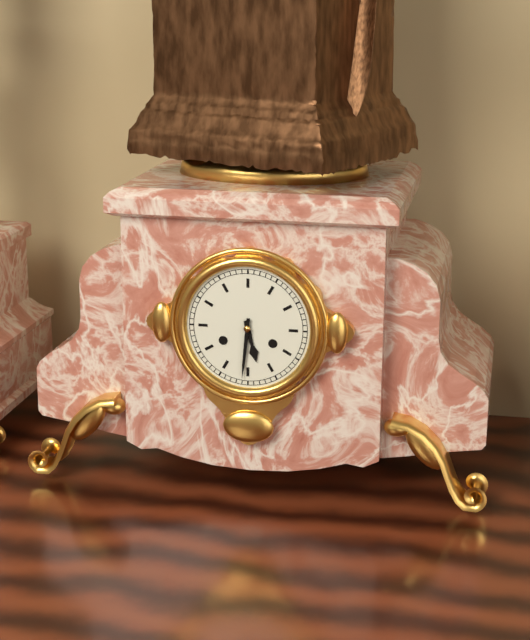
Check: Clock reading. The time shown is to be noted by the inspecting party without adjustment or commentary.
5:31
